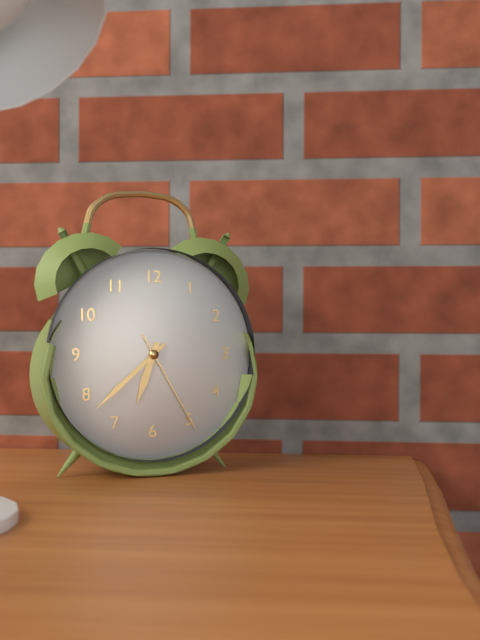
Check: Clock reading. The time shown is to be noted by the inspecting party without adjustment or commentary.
6:38:25
